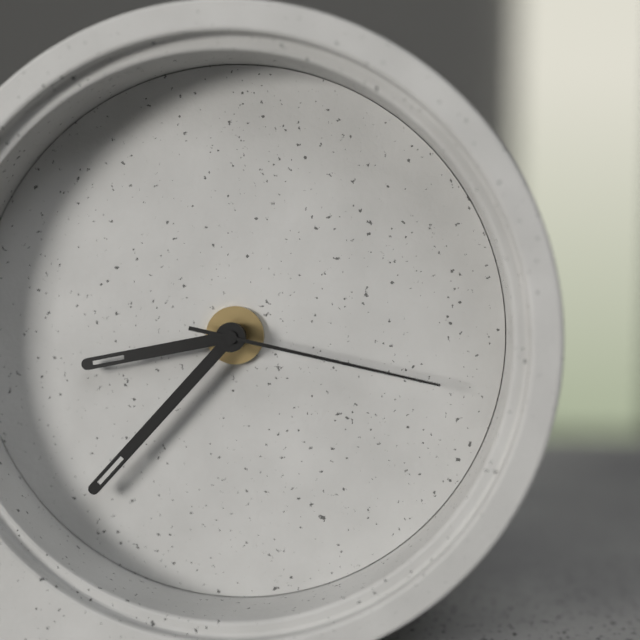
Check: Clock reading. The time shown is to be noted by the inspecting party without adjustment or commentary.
8:37:17
